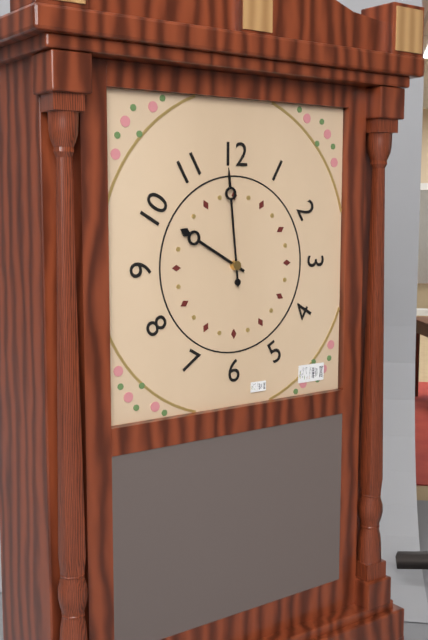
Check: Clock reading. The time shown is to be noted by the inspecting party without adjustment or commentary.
9:59
